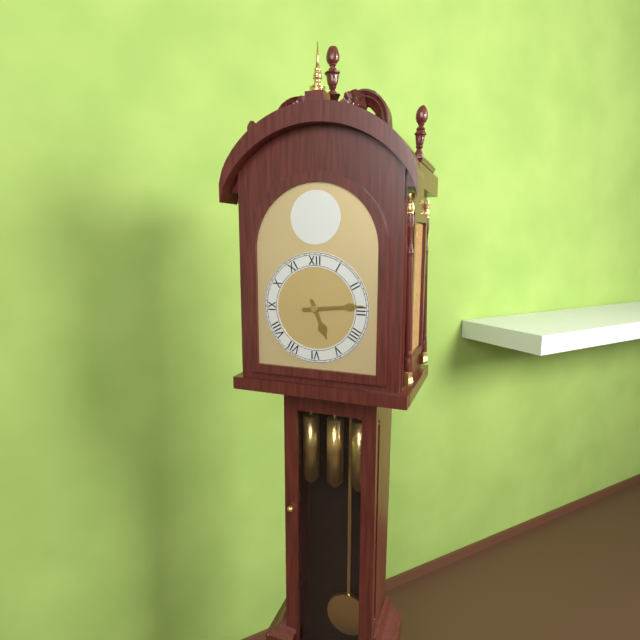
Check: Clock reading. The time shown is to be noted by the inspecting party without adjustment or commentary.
5:14
